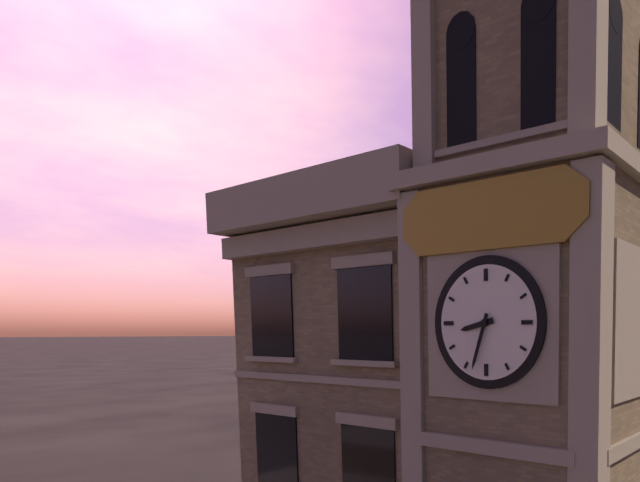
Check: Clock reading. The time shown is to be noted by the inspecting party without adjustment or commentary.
8:33
